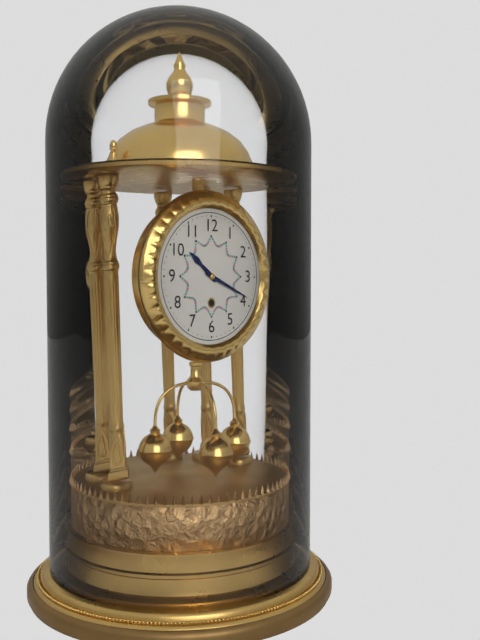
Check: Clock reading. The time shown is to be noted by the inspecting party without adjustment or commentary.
10:19
